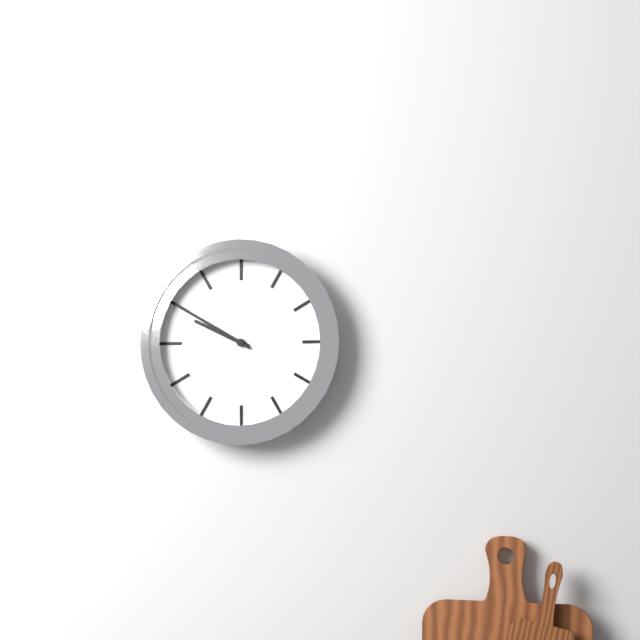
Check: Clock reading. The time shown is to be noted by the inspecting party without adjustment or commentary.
9:50
